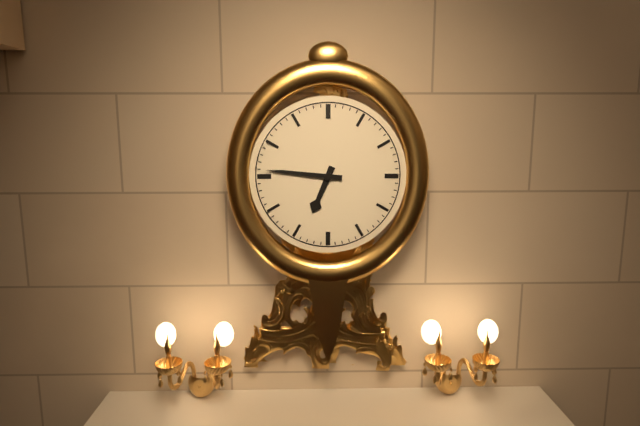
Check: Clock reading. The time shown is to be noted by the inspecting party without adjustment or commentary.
6:46
